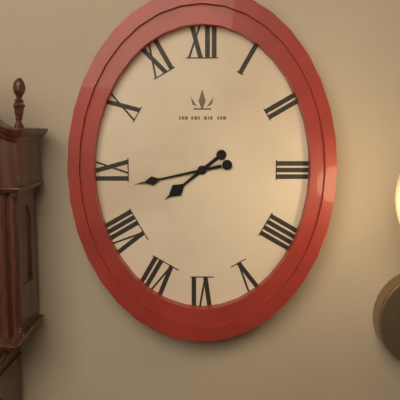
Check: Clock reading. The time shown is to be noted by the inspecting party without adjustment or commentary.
7:43
